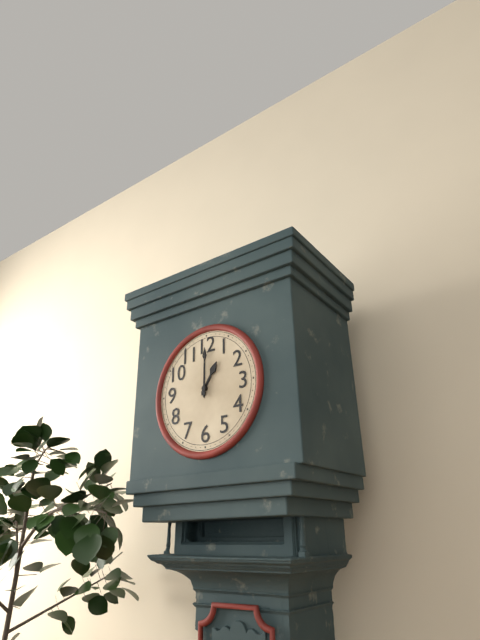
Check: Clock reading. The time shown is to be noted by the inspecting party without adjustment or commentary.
1:00
